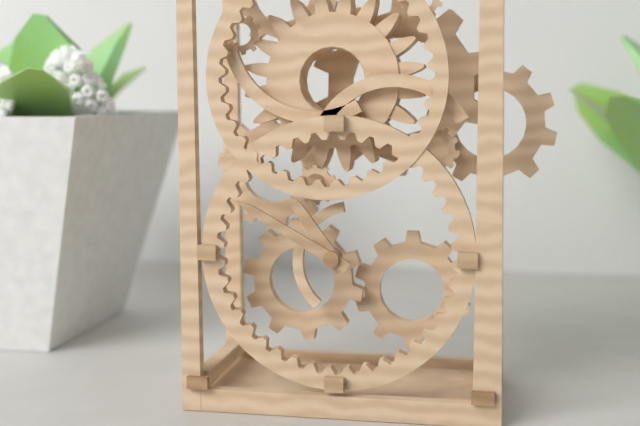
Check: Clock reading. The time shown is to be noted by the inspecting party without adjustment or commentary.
10:50
